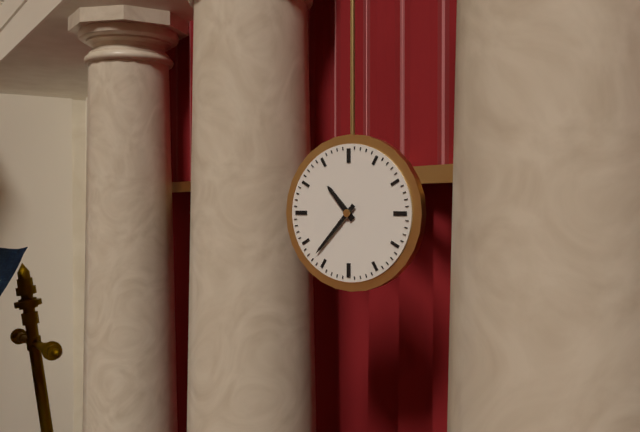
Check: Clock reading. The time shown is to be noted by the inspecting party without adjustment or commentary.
10:37
